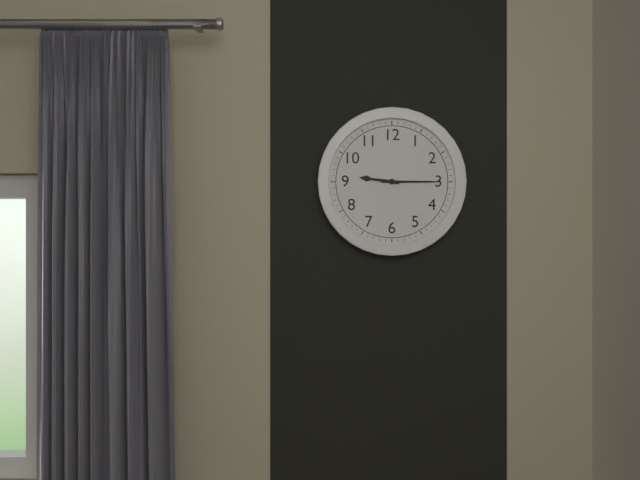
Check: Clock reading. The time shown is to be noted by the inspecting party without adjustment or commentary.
9:15
